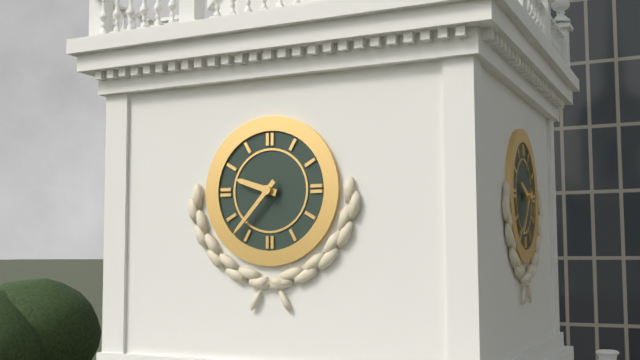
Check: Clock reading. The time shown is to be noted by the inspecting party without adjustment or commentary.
9:37
